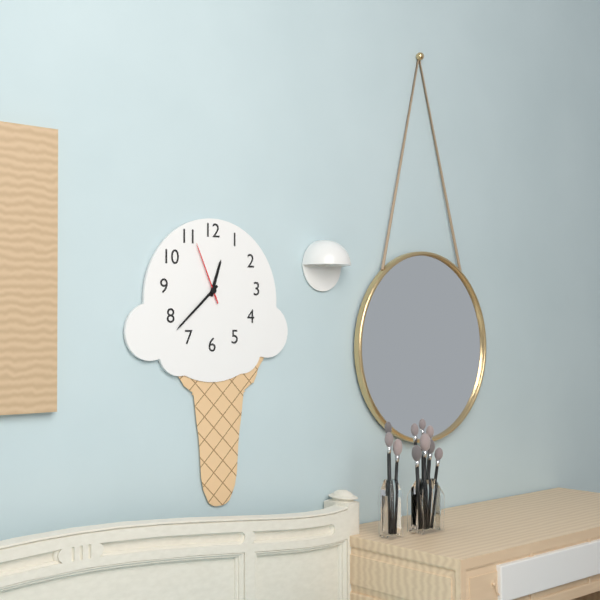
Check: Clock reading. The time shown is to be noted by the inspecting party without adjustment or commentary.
12:38:56
